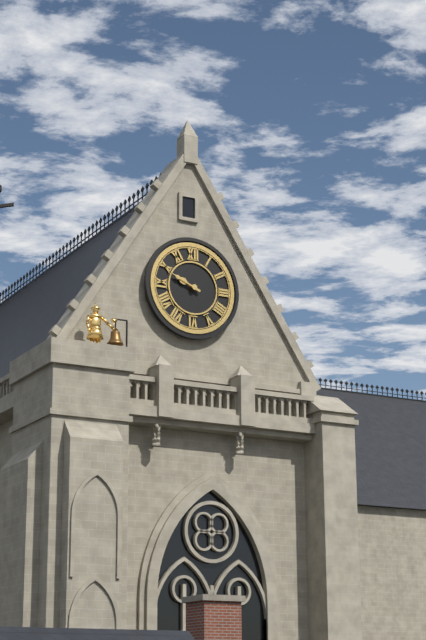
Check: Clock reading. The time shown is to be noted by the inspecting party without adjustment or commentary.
9:49
